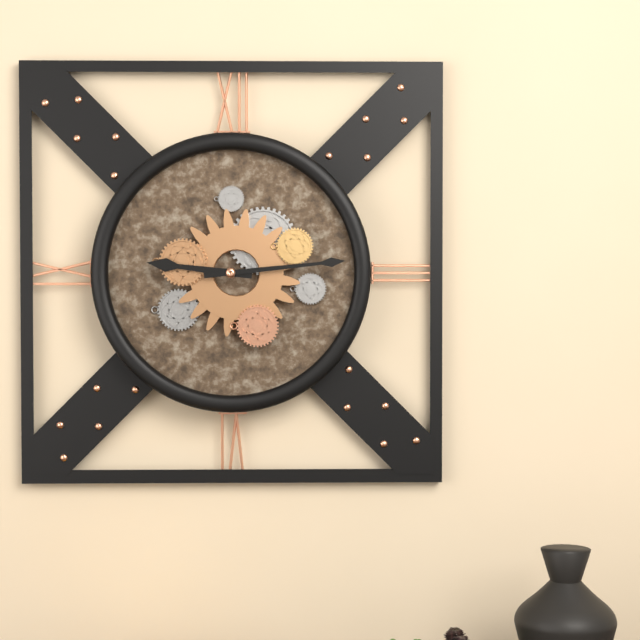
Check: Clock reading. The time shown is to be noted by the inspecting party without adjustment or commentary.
9:14
